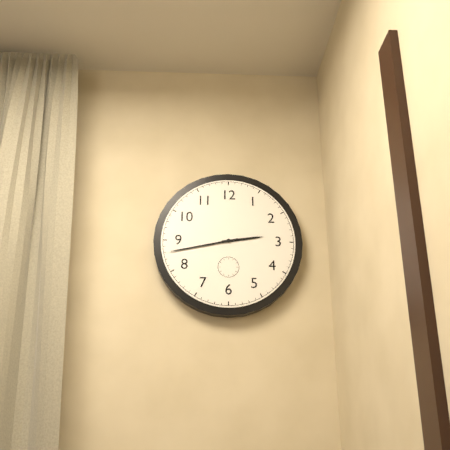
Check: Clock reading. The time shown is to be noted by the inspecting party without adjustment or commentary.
2:43
